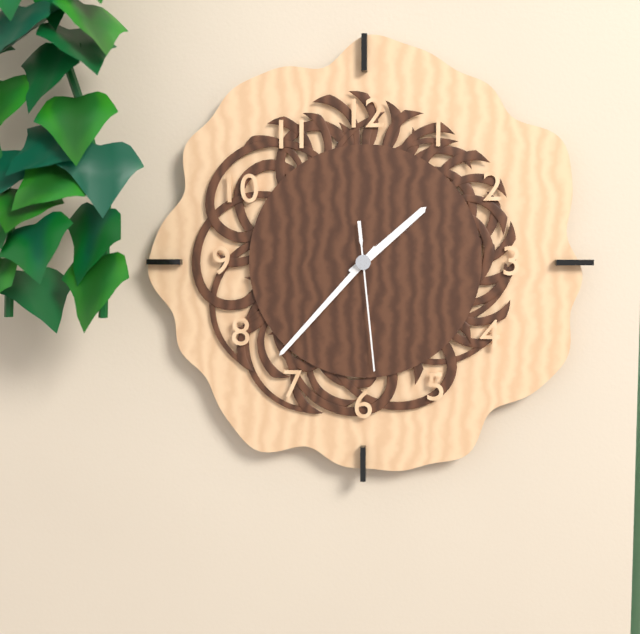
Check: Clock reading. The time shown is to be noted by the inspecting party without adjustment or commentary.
1:37:29
